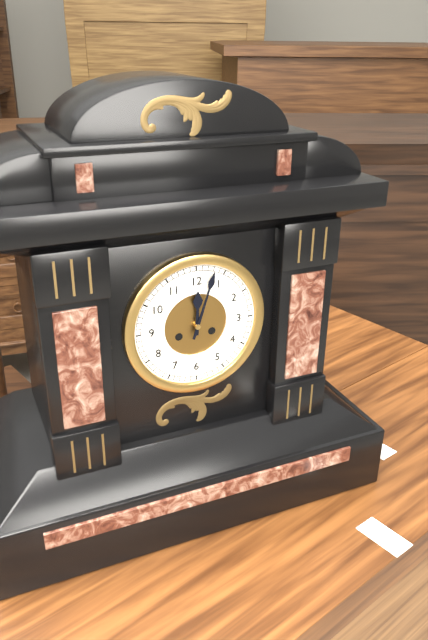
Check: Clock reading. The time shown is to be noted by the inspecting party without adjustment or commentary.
12:03
